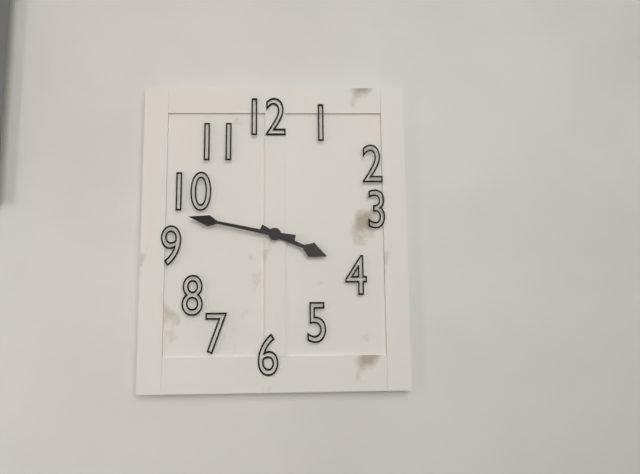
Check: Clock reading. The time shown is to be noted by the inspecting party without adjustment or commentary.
3:47
